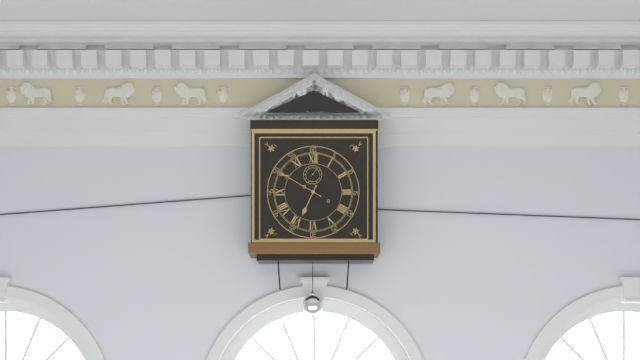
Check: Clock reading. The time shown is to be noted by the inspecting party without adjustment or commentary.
6:50
